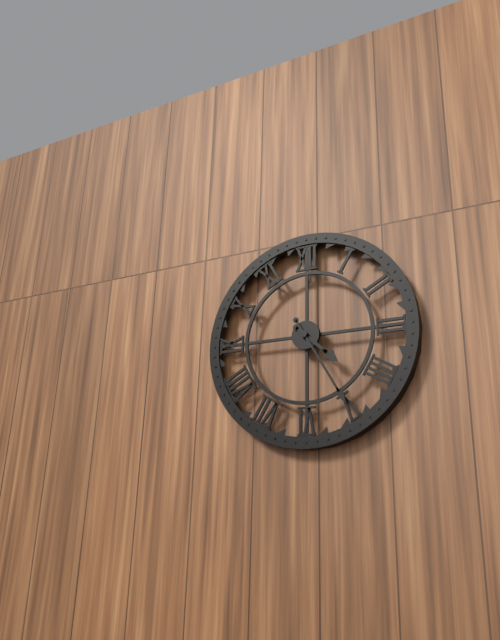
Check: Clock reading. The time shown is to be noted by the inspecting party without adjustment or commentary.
4:25
